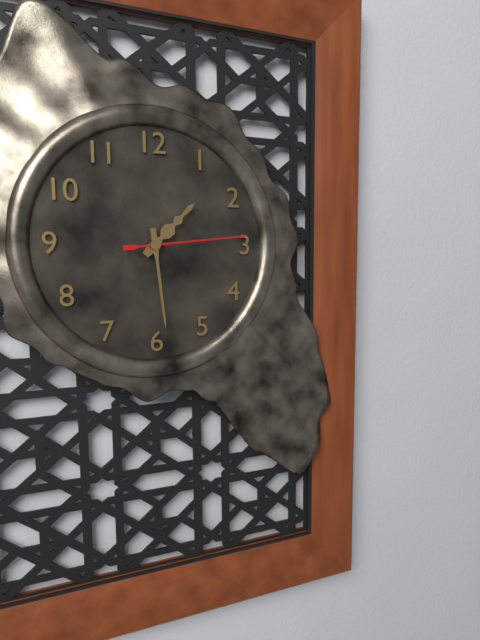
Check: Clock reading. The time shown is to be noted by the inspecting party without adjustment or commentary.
1:29:14
